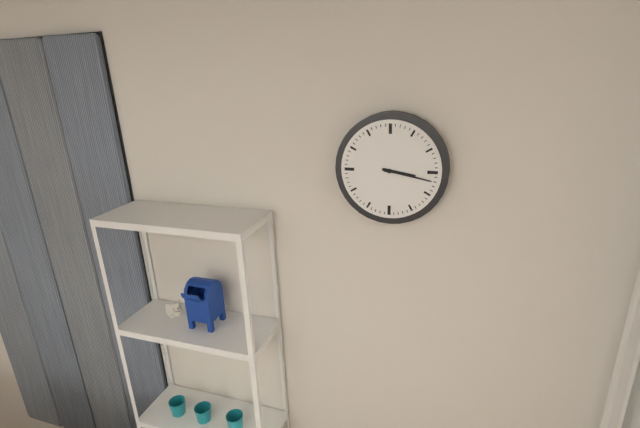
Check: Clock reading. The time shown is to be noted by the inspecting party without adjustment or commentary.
3:17
